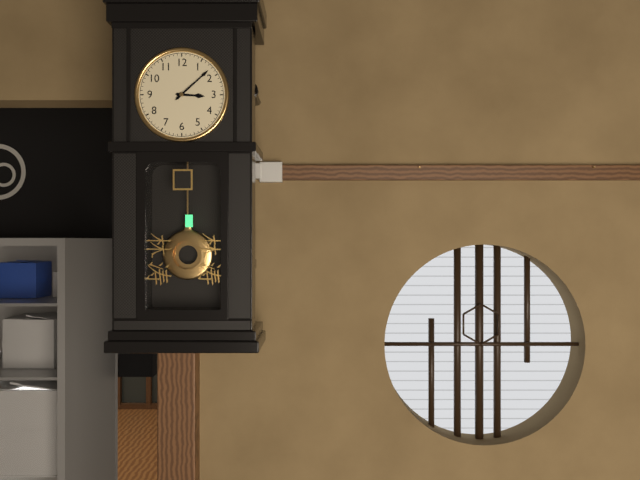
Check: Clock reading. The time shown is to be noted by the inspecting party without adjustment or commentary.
3:08
